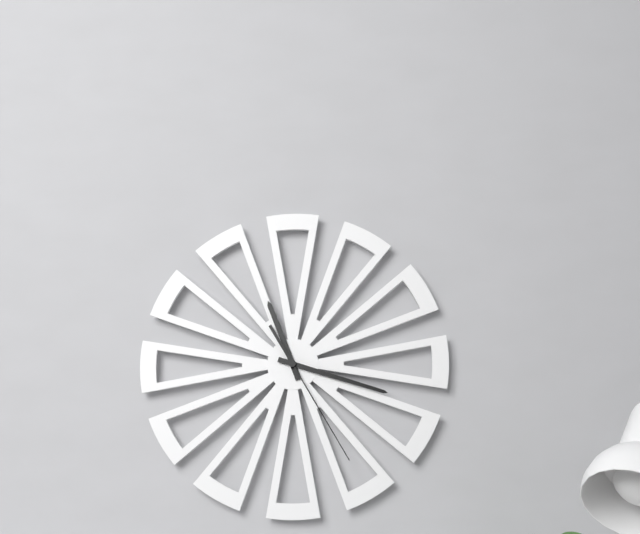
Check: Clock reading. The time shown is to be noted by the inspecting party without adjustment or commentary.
11:18:25
